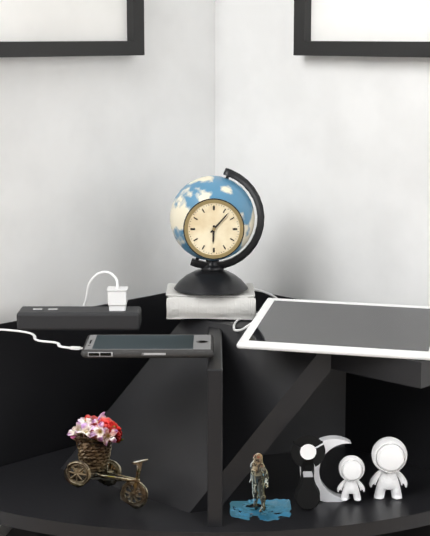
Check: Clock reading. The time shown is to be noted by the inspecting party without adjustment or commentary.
6:07
